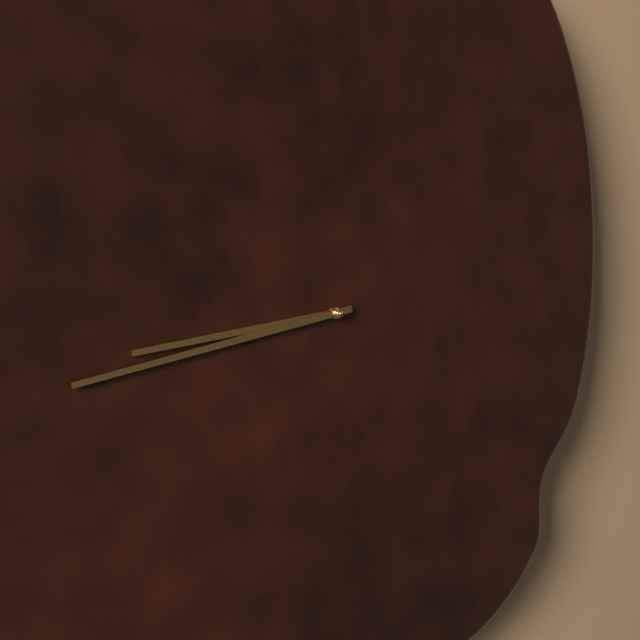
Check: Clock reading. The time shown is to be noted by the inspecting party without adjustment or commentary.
8:43
